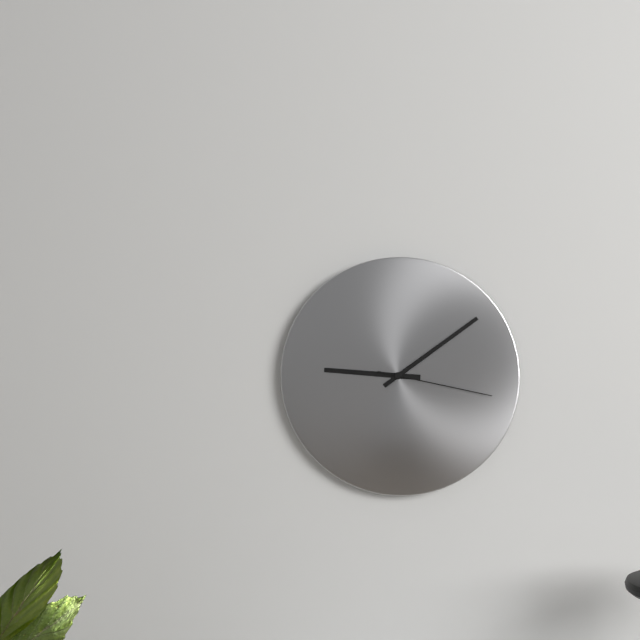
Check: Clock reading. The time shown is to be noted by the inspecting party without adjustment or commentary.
9:09:17
